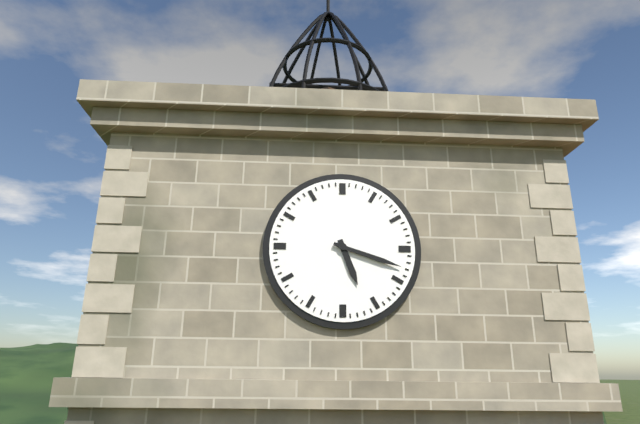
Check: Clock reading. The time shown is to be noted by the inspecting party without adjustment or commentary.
5:18
